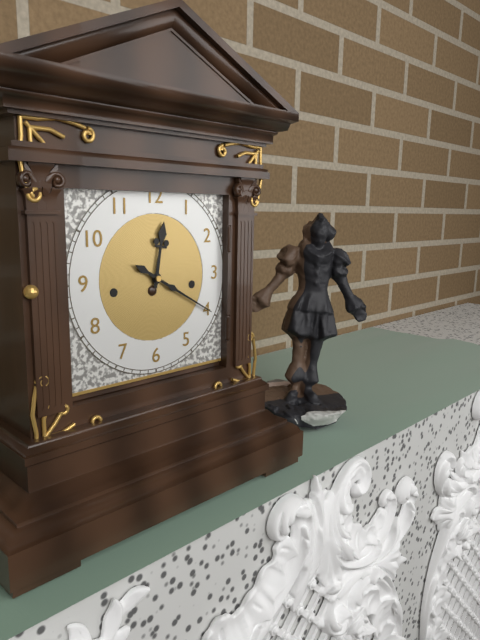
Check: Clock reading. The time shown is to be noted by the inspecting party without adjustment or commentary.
12:20
